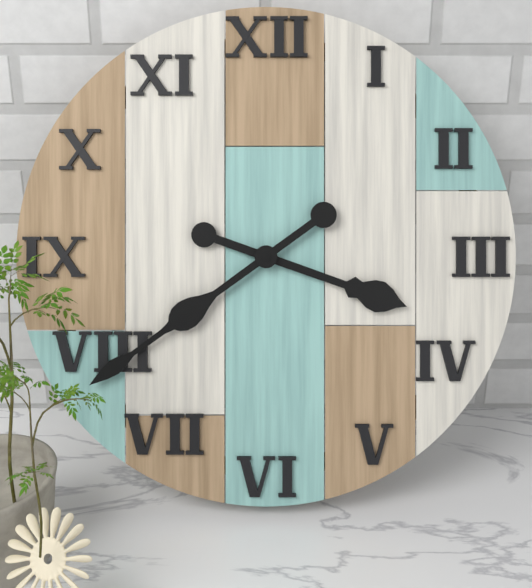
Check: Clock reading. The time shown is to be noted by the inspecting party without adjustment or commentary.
3:39
